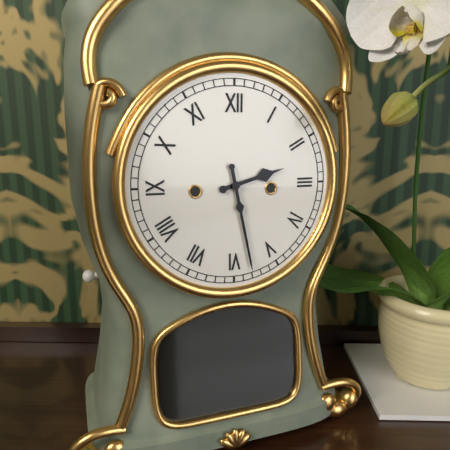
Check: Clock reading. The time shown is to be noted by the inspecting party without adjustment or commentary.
2:28
